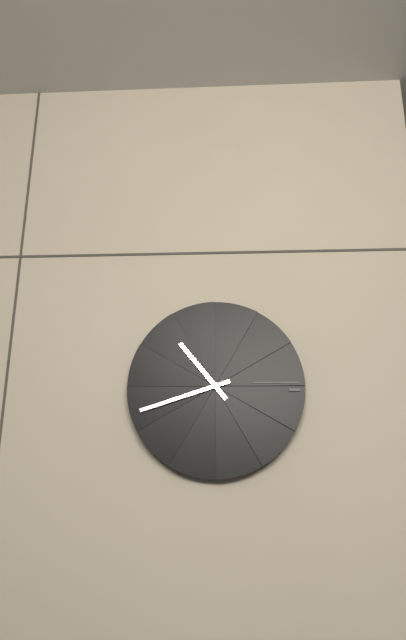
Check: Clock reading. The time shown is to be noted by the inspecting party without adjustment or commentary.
10:42
